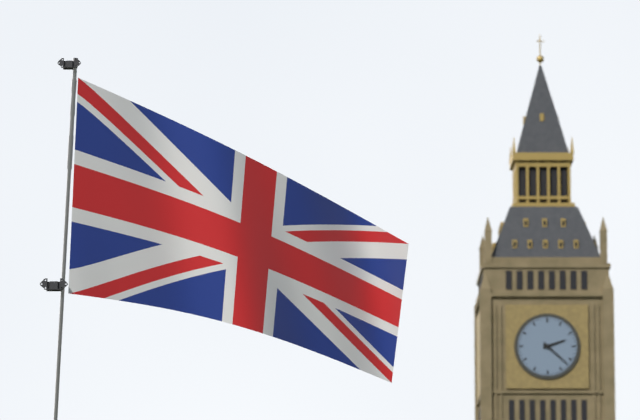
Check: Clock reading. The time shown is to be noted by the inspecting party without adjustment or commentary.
2:22
